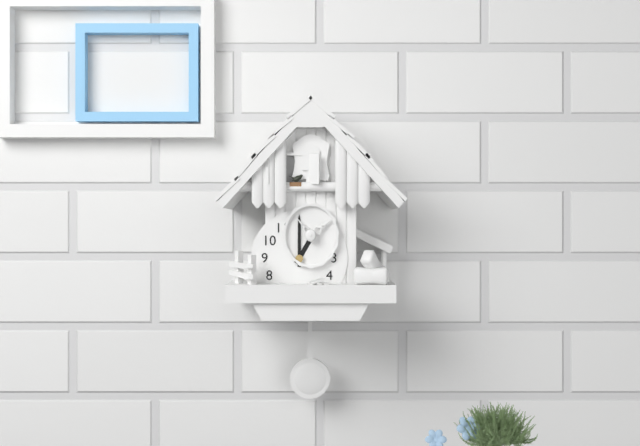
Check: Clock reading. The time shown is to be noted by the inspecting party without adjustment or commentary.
1:00
